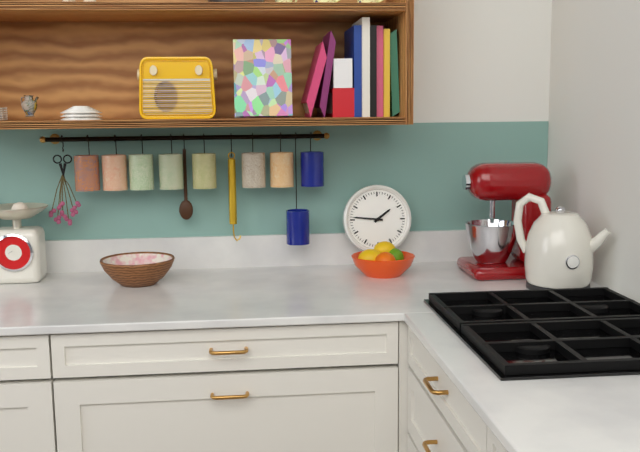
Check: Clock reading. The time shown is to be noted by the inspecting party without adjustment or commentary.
1:46
